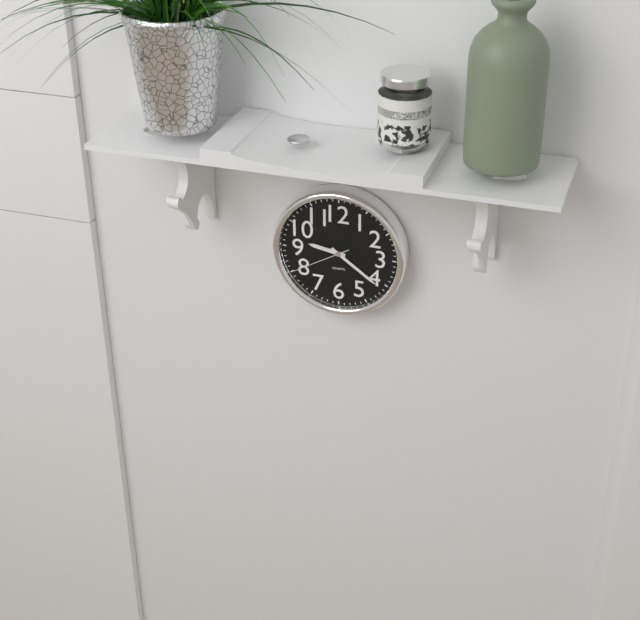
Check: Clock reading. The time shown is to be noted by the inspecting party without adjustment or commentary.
9:21:40
